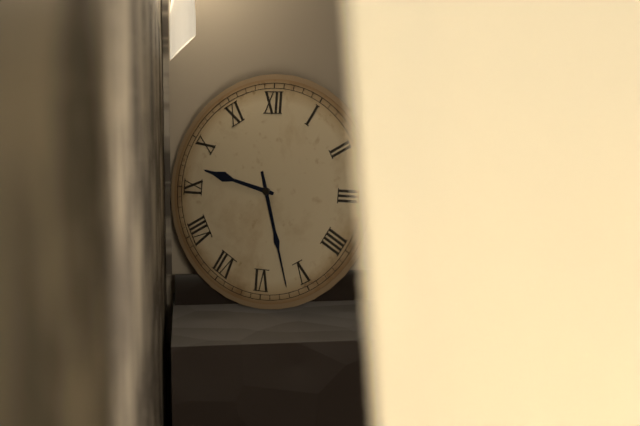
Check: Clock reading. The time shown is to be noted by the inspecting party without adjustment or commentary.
9:27
